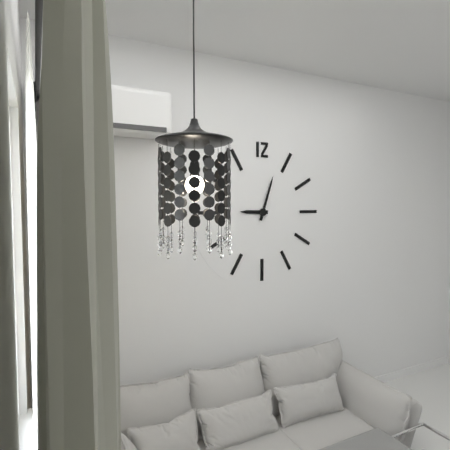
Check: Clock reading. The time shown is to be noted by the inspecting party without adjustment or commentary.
9:03
